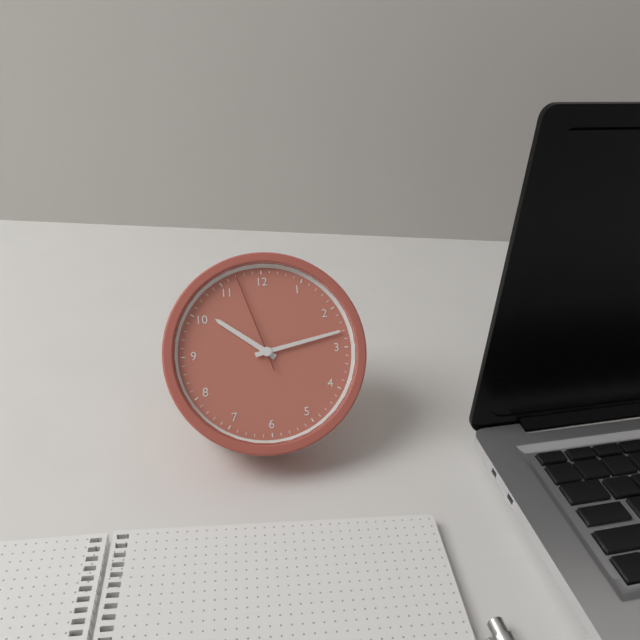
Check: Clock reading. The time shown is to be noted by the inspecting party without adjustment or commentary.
10:13:57
